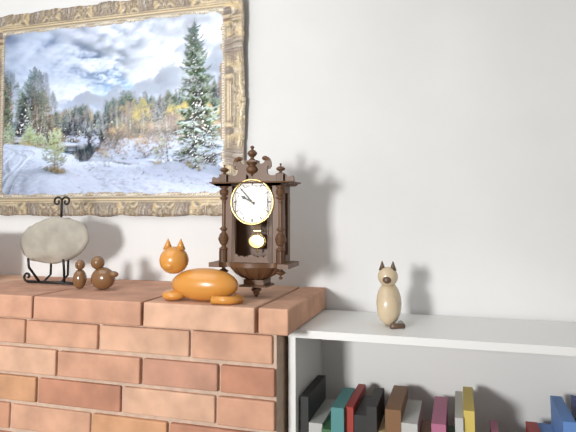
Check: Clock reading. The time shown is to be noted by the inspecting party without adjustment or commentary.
9:53
